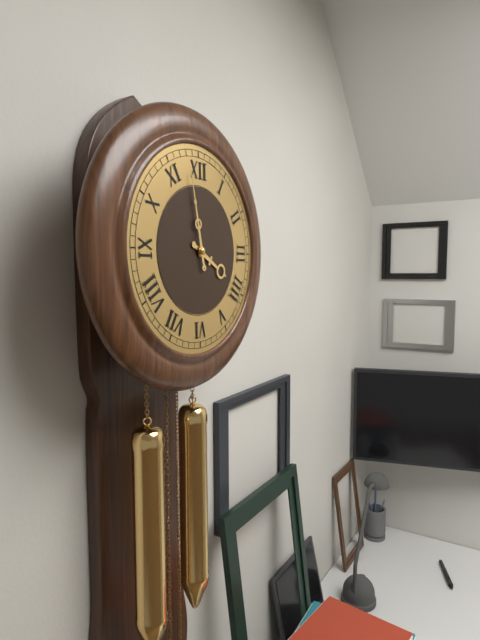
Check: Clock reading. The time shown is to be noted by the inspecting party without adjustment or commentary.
3:58
